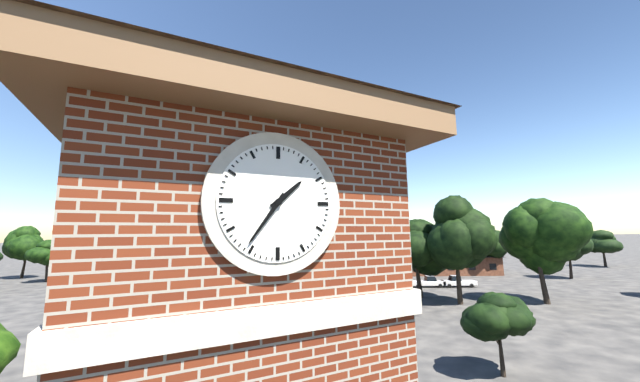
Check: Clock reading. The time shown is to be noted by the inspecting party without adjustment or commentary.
1:36
